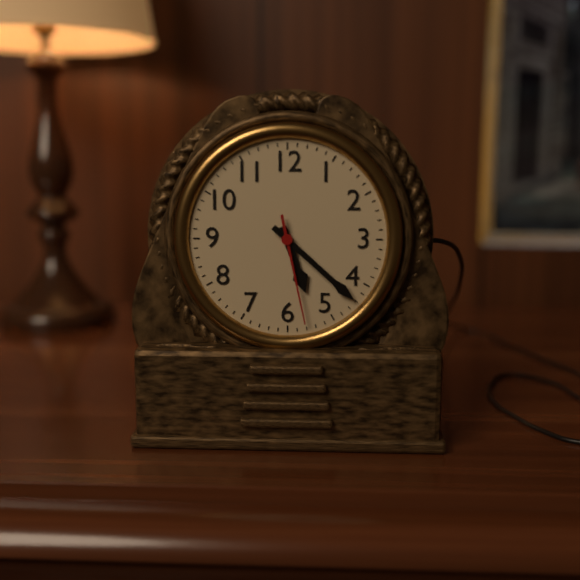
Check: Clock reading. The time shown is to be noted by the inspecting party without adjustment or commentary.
5:22:28
